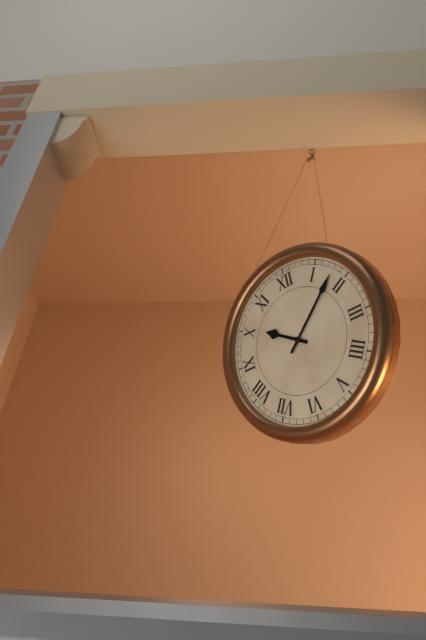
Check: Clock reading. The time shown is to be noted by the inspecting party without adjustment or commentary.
10:08
